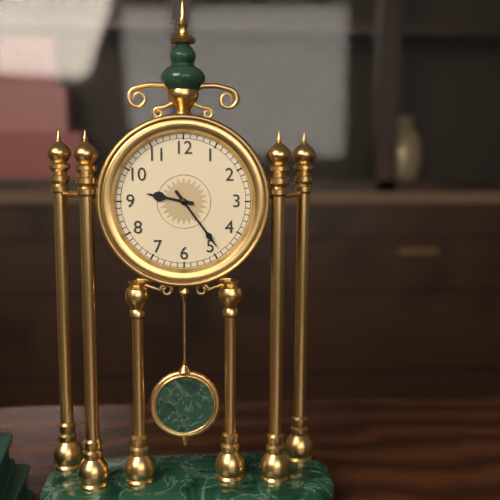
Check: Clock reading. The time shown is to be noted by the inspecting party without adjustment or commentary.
9:24
